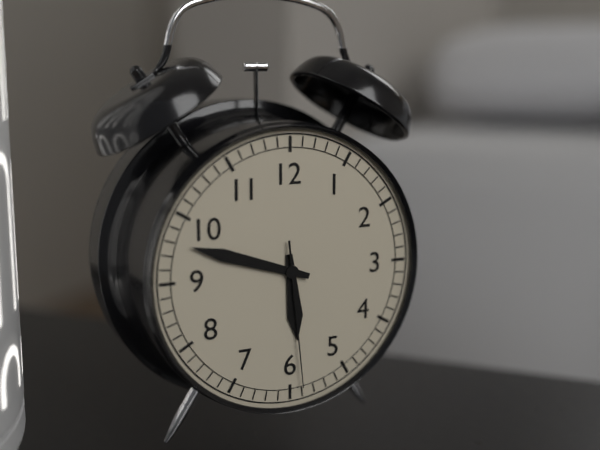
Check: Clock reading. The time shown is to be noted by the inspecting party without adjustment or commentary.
5:48:29
